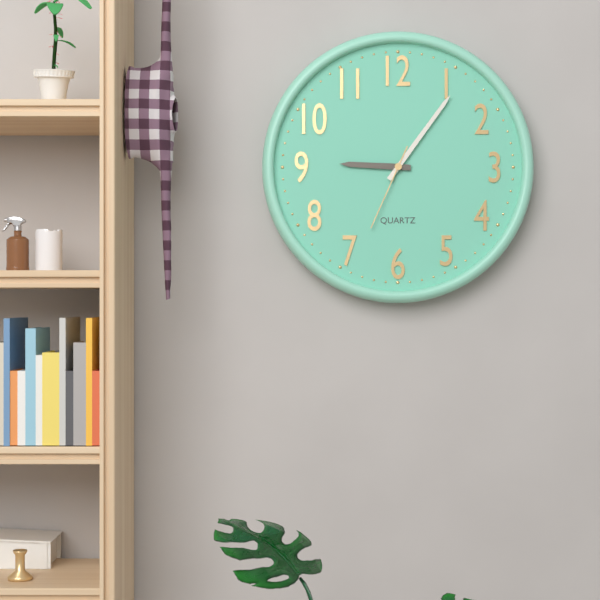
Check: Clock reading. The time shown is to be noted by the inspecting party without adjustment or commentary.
9:06:34
